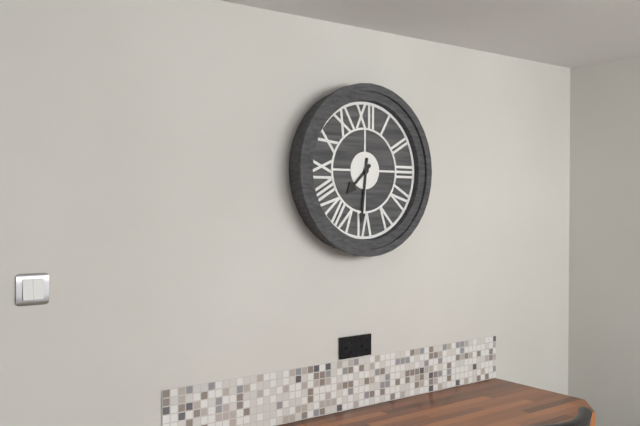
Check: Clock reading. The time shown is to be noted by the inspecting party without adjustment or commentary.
7:31
